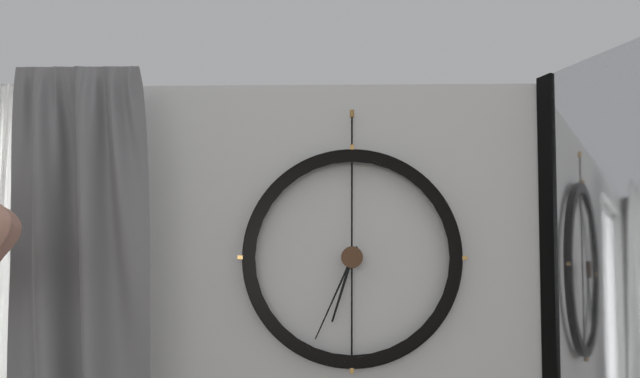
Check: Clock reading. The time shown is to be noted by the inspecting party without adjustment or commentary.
6:34
